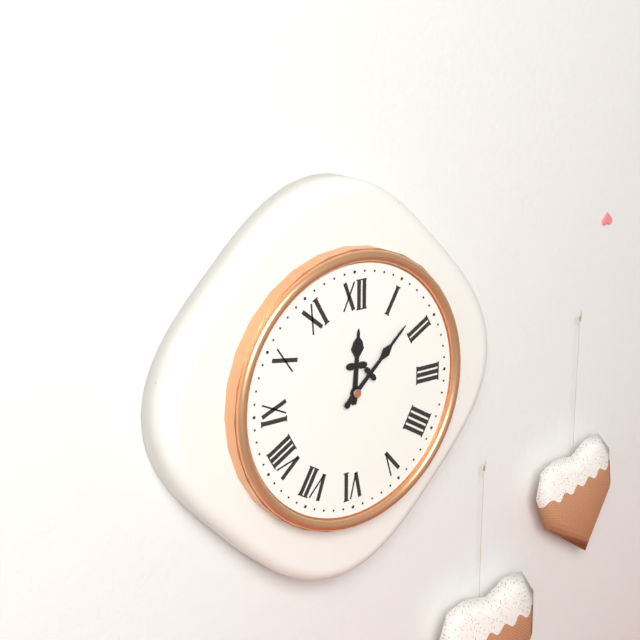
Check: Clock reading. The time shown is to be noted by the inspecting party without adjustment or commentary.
12:08
